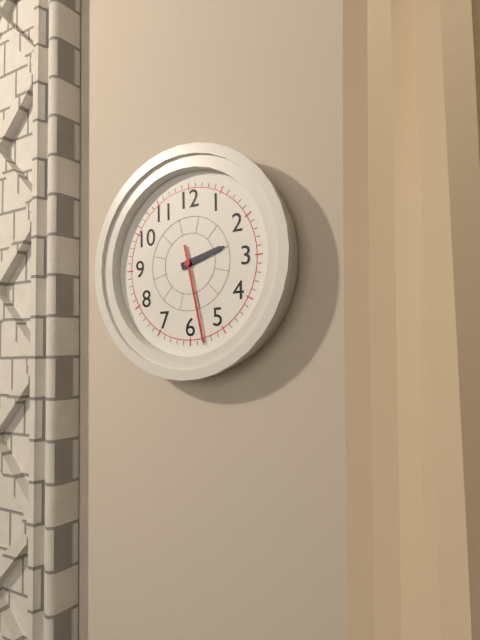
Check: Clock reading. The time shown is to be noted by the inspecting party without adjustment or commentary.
2:28
